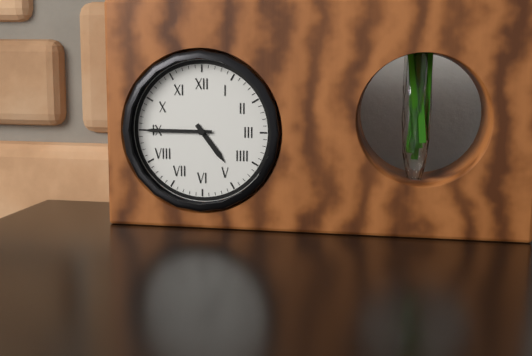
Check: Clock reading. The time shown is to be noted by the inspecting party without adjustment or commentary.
4:45
